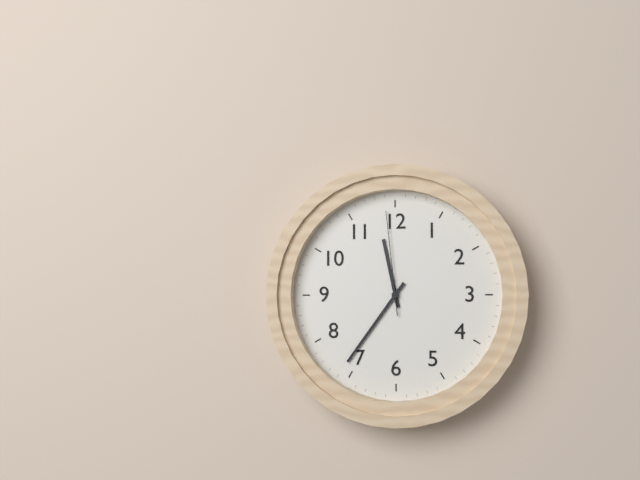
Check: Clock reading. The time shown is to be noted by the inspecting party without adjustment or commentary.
11:36:59
